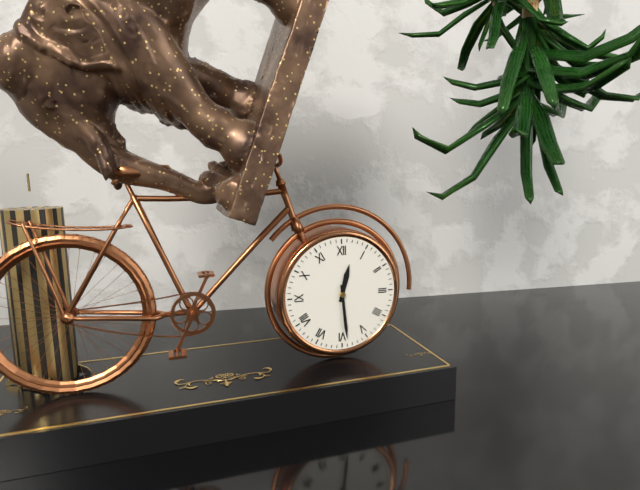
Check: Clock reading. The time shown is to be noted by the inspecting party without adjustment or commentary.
12:29
